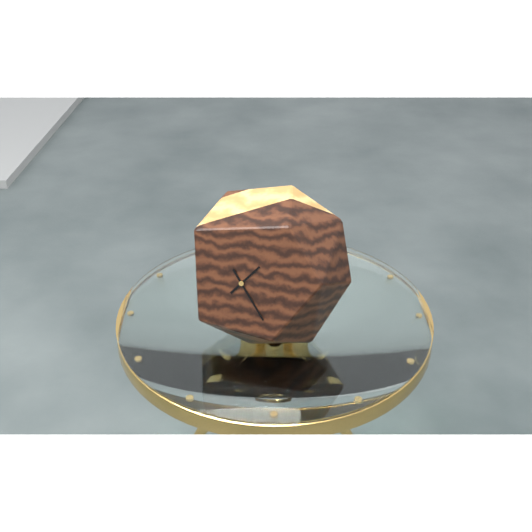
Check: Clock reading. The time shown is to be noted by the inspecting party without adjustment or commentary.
1:24
